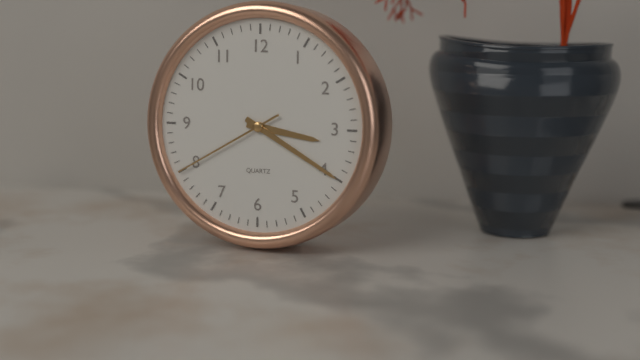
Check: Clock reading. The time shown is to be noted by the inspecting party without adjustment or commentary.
3:20:40
